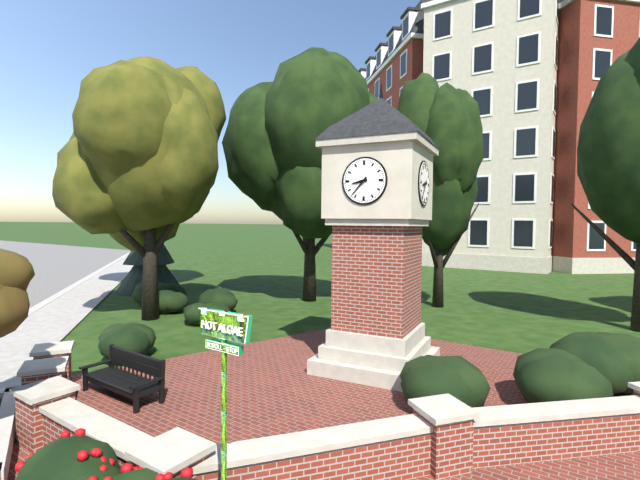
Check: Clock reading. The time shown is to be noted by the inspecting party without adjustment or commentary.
8:37
